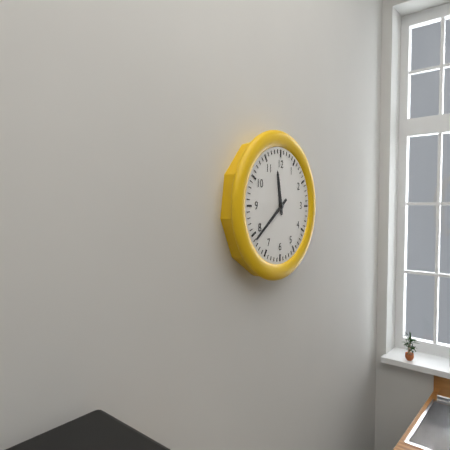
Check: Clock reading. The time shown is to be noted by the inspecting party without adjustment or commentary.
11:39
